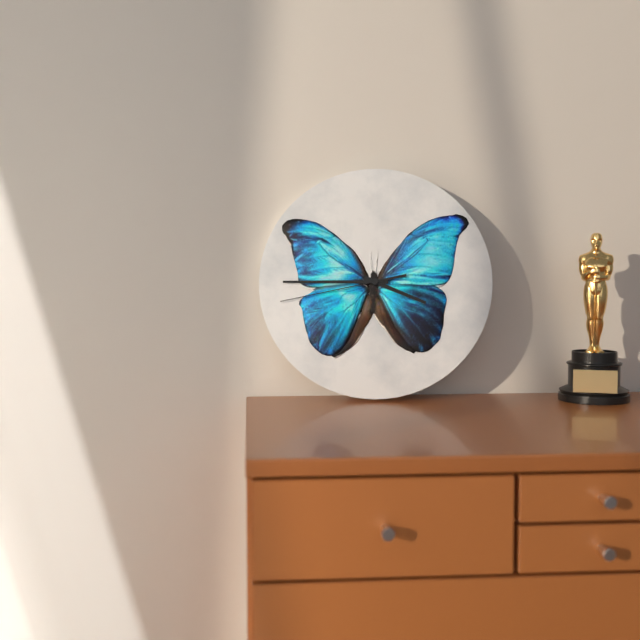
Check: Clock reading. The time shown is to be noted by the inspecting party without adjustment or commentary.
3:45:43
